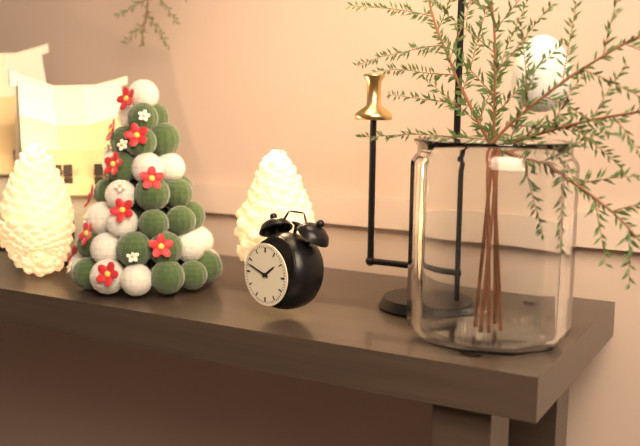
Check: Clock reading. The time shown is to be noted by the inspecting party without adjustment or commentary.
1:48
